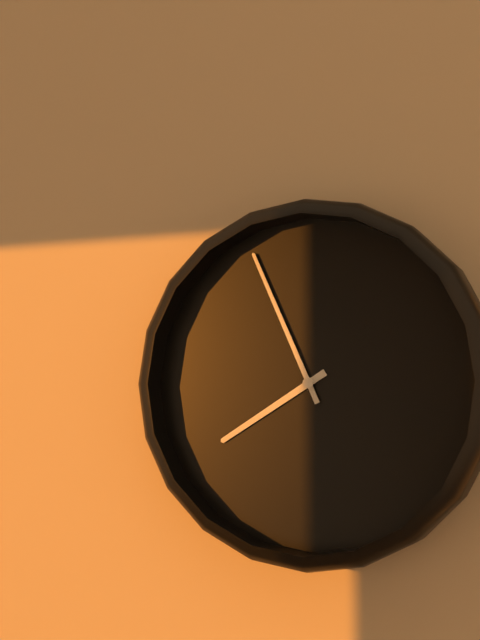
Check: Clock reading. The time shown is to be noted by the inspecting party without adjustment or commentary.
7:56
